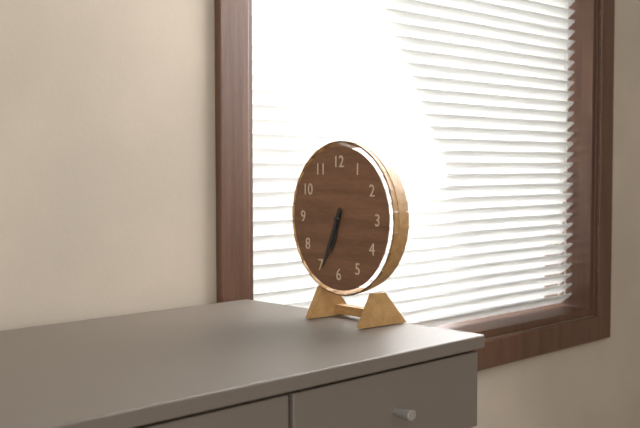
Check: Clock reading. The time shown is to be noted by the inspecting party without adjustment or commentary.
6:34
